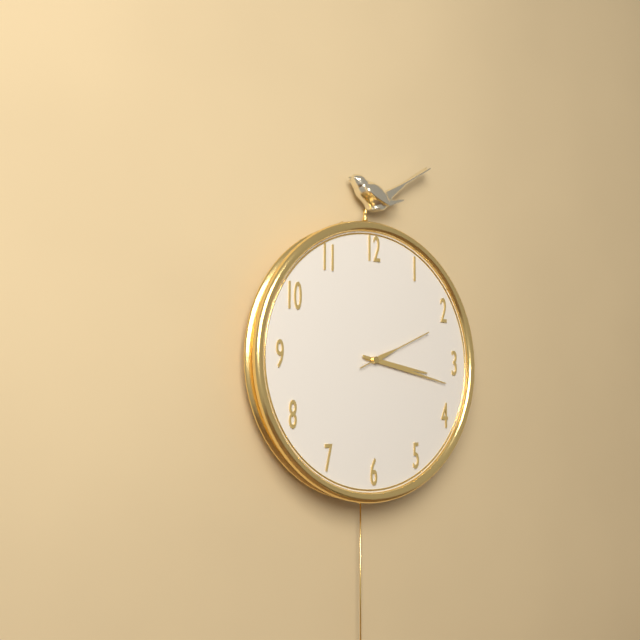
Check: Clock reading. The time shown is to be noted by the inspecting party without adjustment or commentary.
3:17:11
